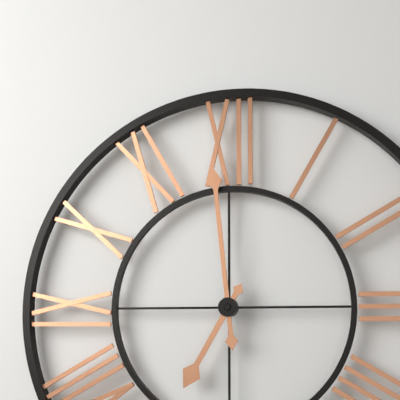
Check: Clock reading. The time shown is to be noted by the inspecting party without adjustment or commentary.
6:59
